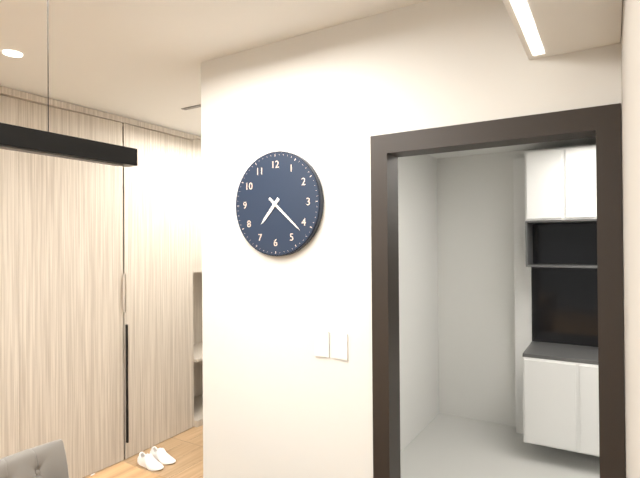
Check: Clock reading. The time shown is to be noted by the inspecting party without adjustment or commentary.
7:22
